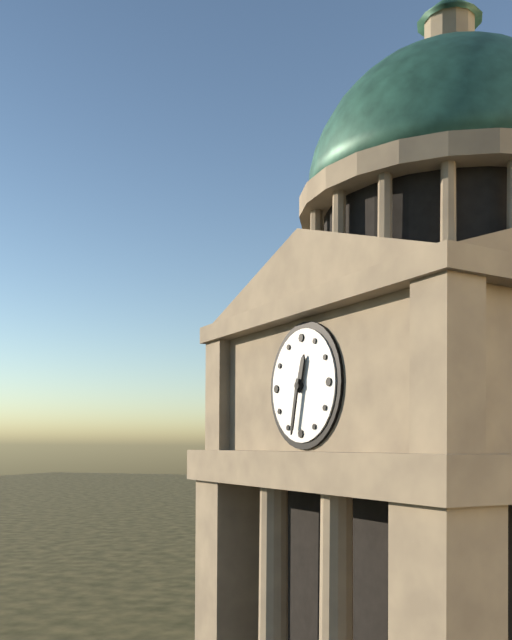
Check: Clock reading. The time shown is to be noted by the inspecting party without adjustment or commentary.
12:32
